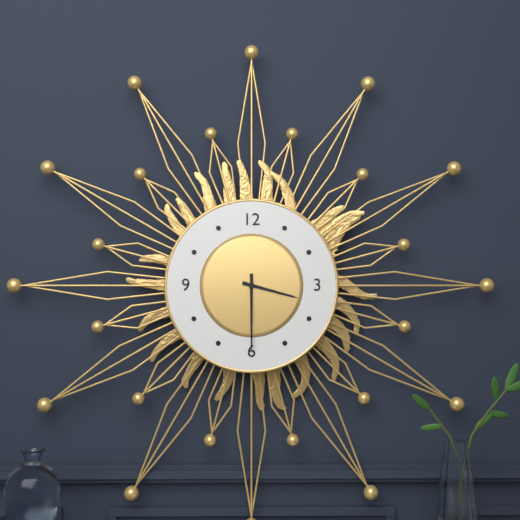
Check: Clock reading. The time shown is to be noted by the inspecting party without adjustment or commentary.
3:30
